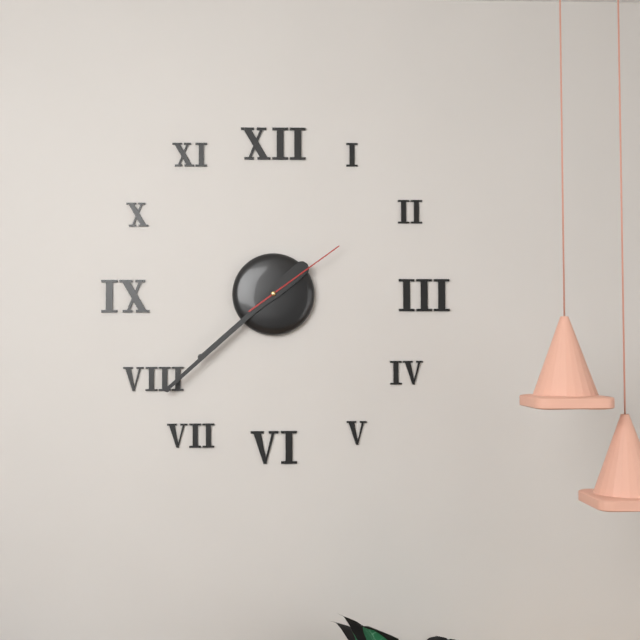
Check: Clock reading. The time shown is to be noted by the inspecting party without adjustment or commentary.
7:38:09
